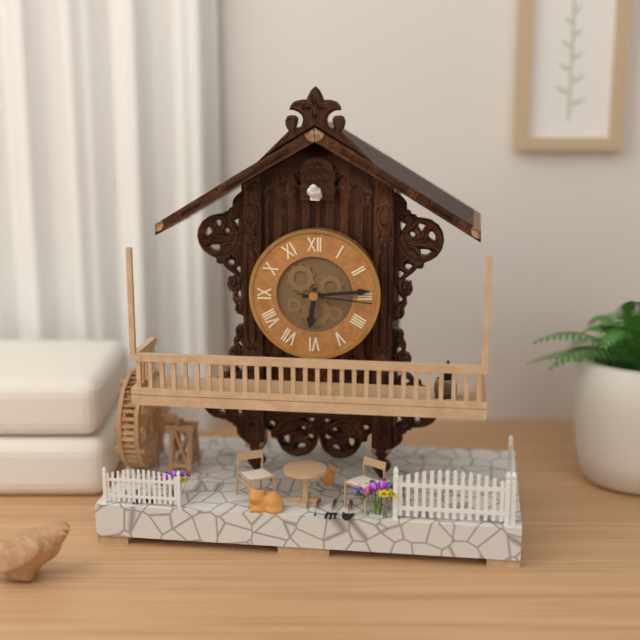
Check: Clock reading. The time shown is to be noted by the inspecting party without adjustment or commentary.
6:14:16
